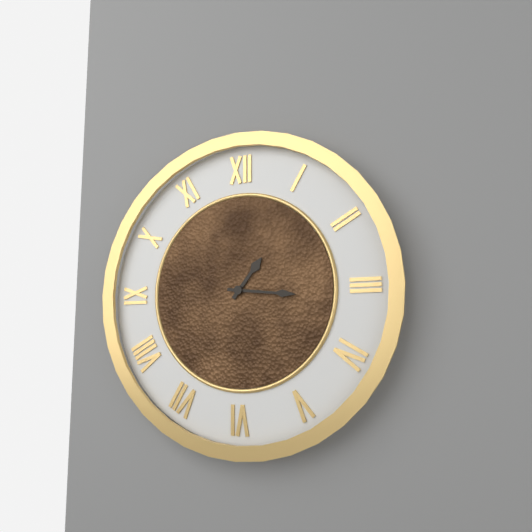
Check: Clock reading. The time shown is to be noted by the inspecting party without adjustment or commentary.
1:16
